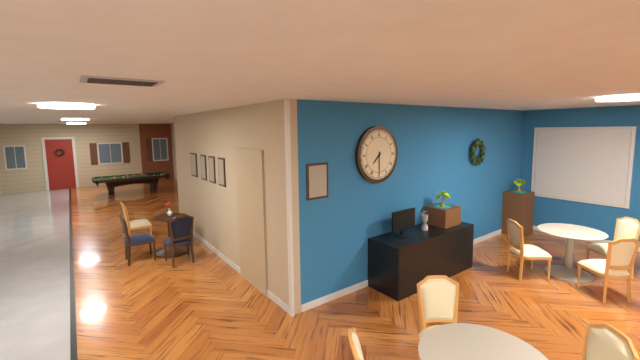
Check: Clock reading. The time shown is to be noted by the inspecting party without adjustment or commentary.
7:30
